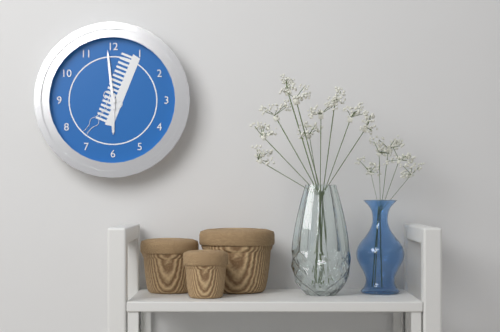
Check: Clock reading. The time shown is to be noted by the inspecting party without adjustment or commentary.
5:59
